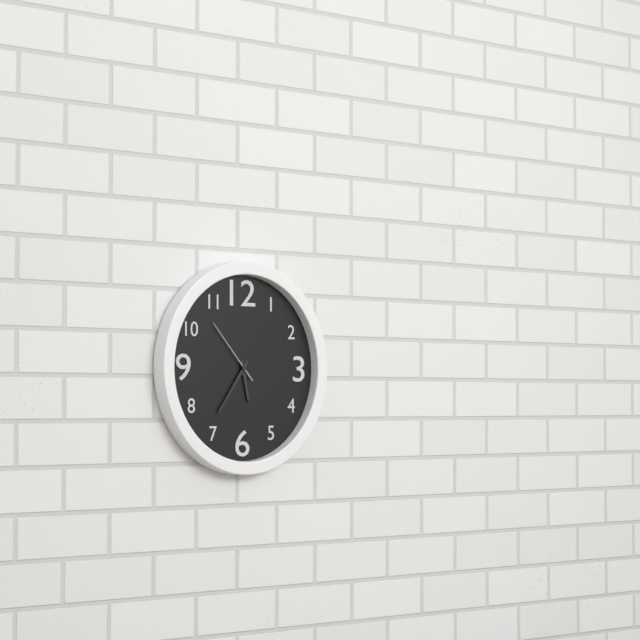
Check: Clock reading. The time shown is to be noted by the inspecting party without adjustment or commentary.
5:36:53
